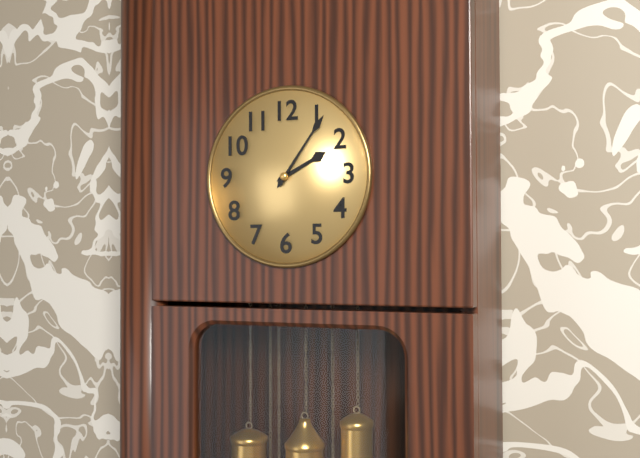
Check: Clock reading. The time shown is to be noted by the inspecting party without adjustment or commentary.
2:06
